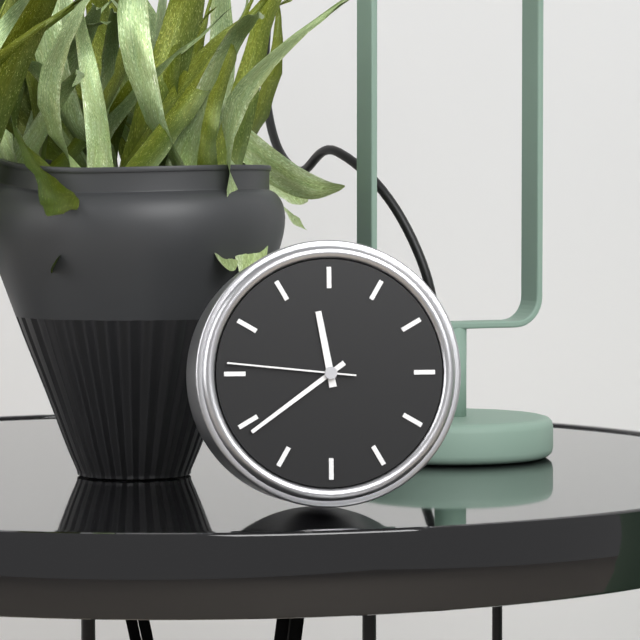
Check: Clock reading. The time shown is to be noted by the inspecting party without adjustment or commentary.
11:39:46
